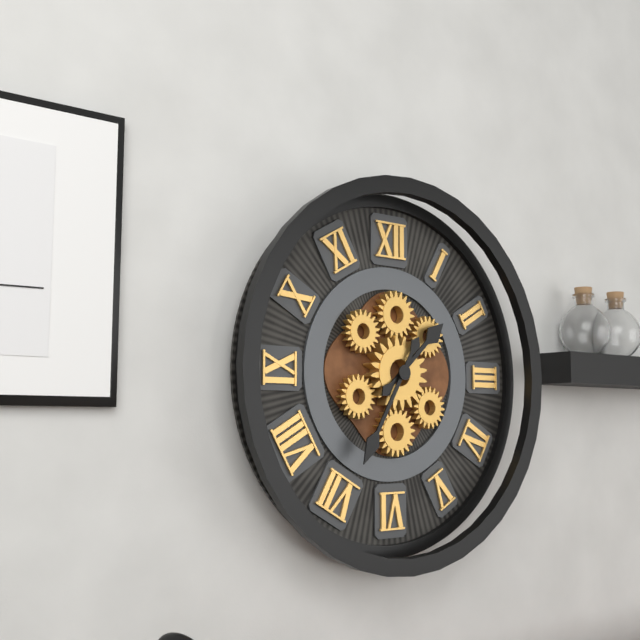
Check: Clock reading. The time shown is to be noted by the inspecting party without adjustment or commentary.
1:35
